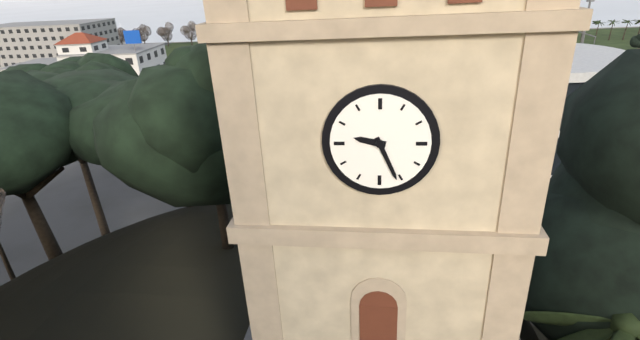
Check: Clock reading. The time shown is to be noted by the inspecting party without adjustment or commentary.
9:26
